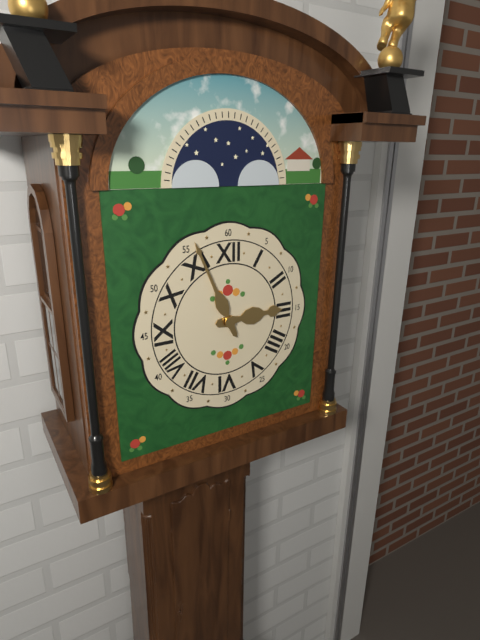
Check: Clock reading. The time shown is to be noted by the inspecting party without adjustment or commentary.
2:56
